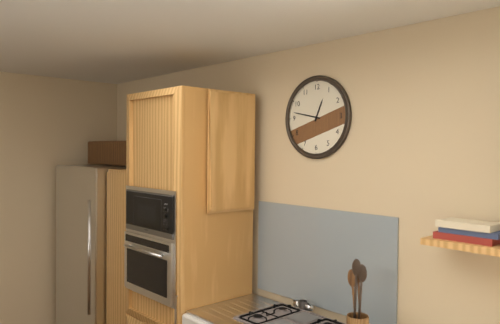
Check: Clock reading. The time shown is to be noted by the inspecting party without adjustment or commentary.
12:47
